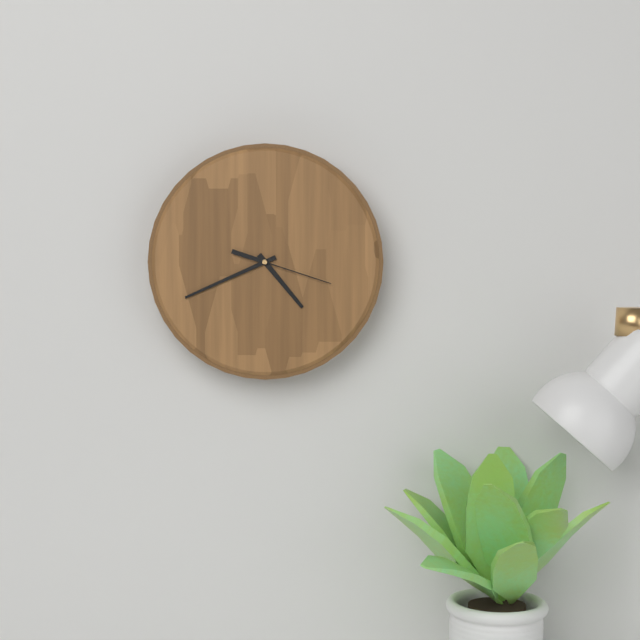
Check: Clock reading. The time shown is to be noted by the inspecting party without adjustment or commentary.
4:41:18
